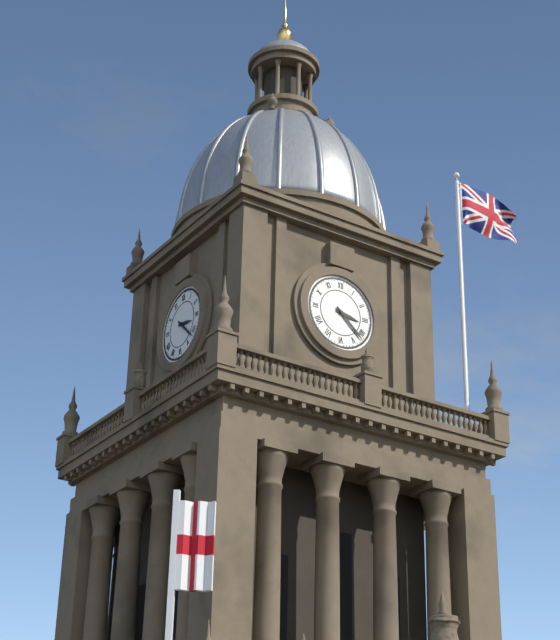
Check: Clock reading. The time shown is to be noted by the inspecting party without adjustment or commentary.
3:22
